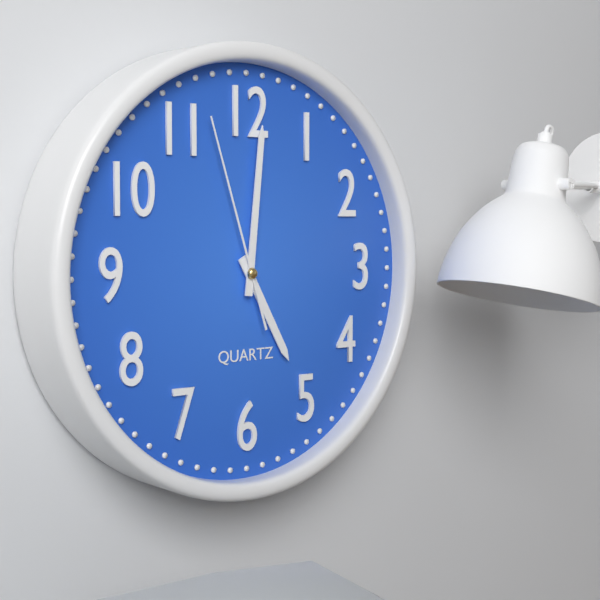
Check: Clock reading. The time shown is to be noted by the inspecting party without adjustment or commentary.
5:01:57
